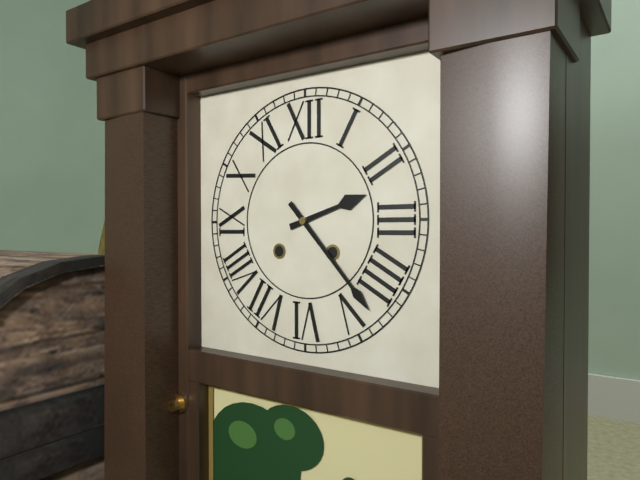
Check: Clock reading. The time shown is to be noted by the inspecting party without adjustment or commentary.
2:23
